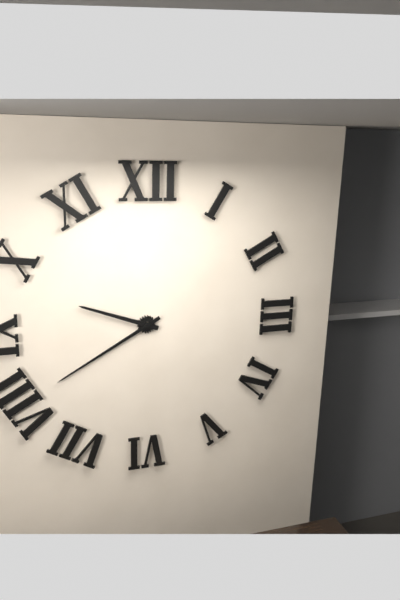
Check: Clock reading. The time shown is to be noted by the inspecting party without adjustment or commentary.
9:40
